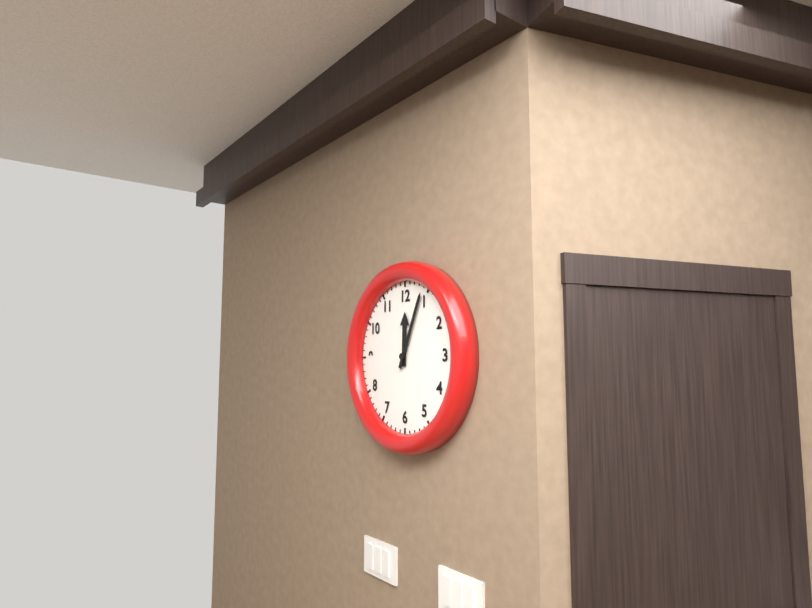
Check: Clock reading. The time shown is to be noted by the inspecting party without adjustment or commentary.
12:04
